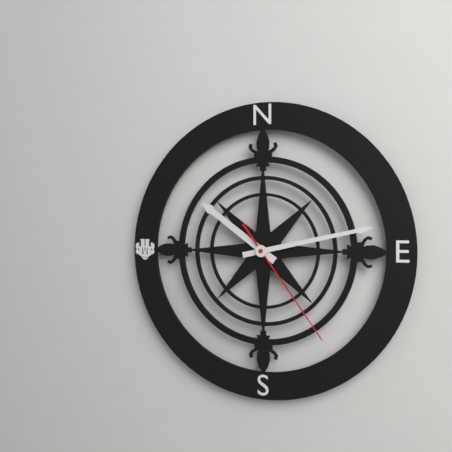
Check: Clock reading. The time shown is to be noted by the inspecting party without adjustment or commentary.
10:13:24
